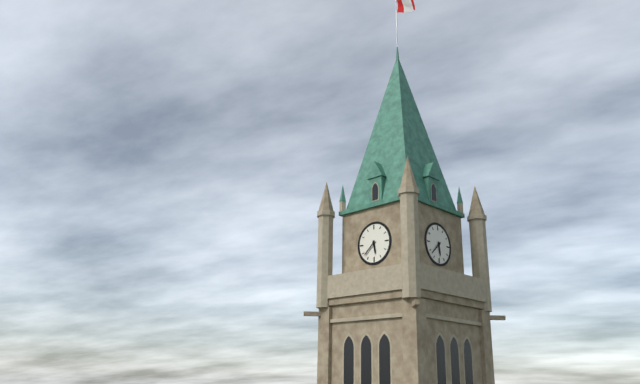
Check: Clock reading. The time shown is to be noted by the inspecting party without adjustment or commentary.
5:38
